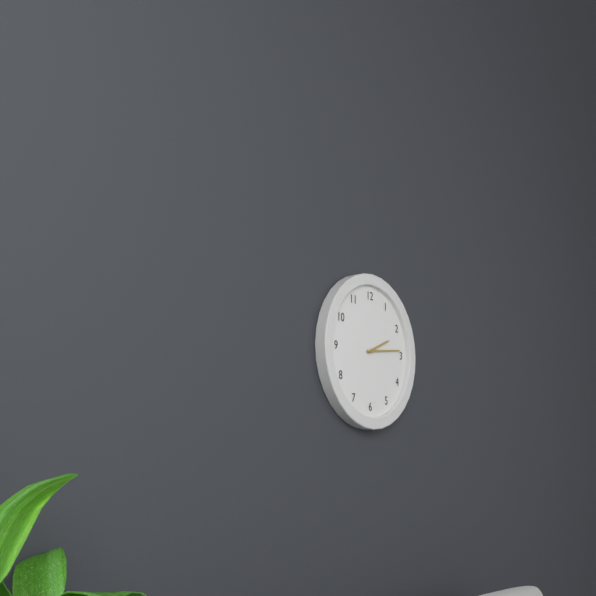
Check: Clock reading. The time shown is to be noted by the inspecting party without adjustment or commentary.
2:14
